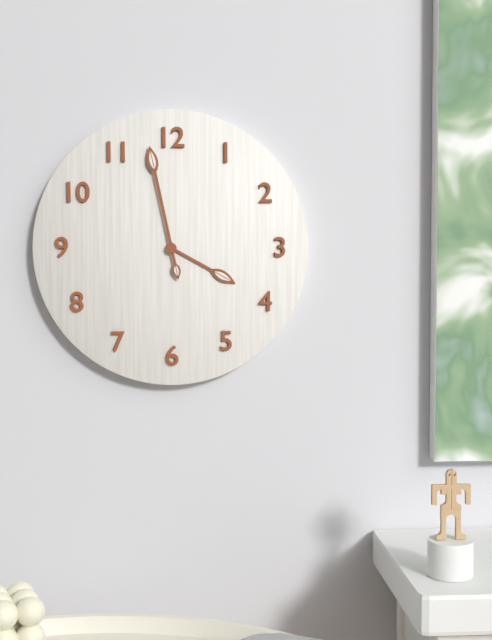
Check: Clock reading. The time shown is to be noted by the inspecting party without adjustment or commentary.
3:58
